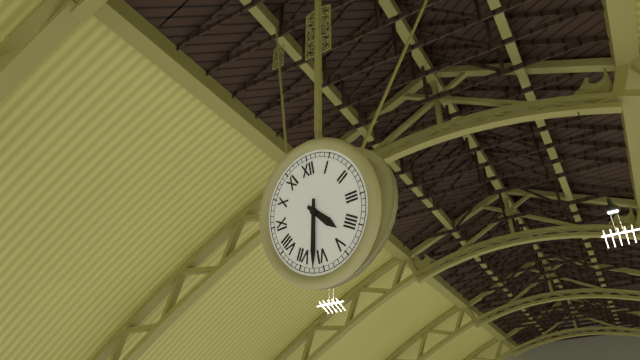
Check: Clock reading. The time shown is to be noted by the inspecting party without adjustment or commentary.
4:32
